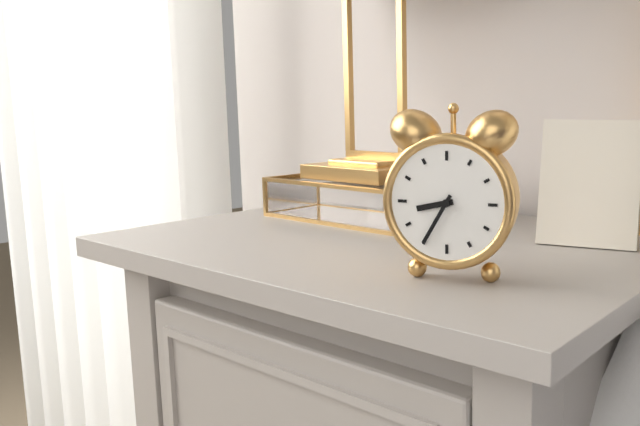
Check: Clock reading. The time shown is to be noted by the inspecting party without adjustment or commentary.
8:35
